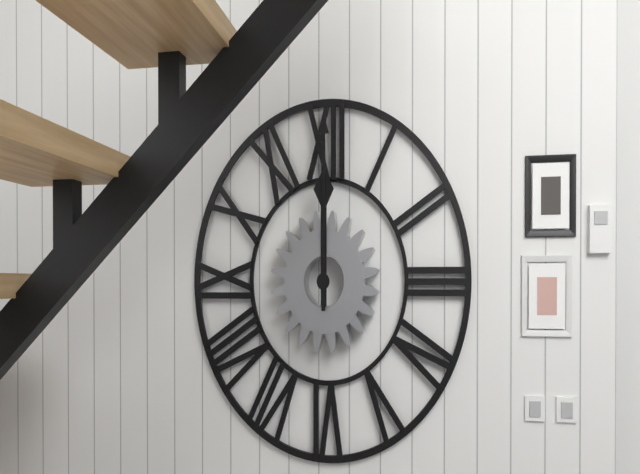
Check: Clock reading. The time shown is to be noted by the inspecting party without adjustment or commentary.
12:00
